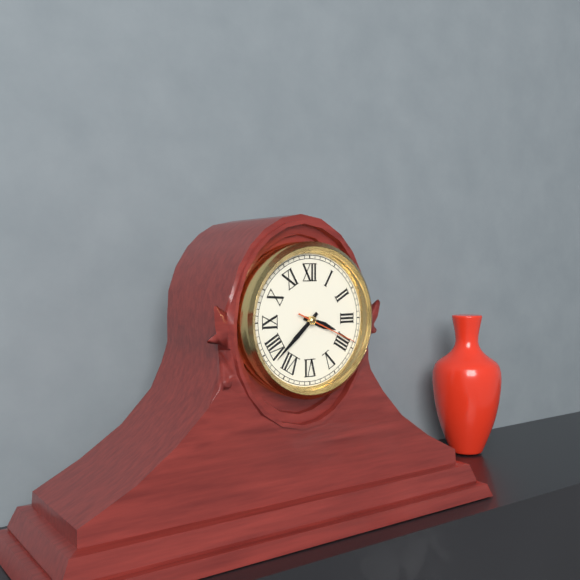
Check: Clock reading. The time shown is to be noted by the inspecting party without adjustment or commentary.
3:38:19
